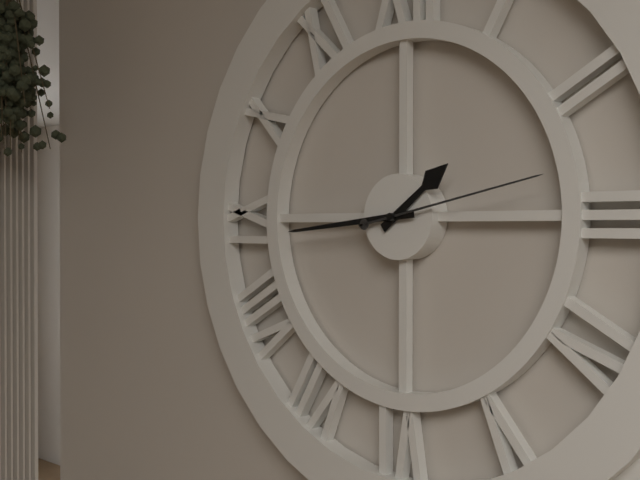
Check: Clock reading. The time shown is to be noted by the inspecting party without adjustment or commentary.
1:44:13
